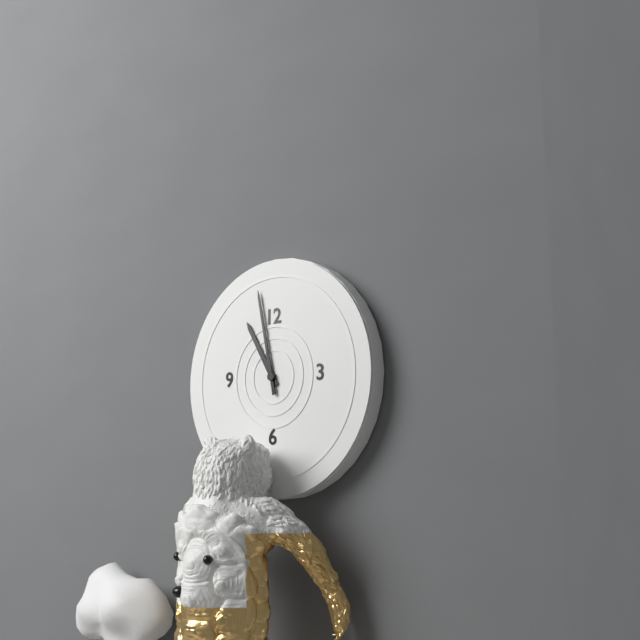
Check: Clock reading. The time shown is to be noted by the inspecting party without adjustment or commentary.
10:58
